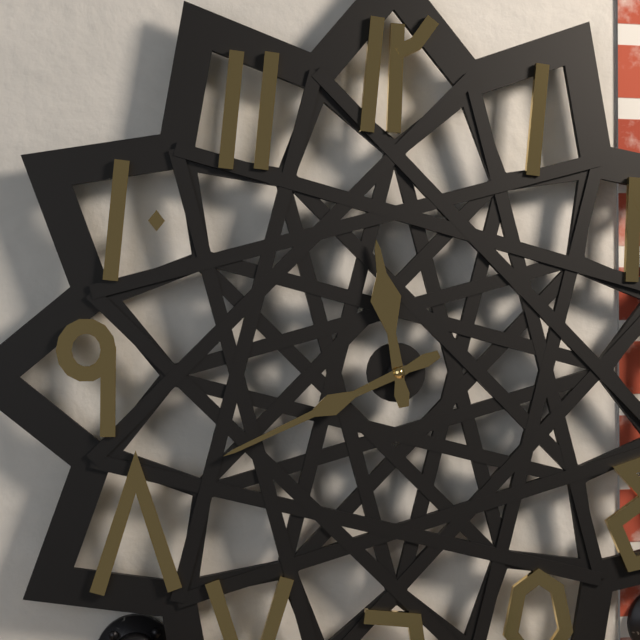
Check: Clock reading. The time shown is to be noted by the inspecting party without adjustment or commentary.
11:41
